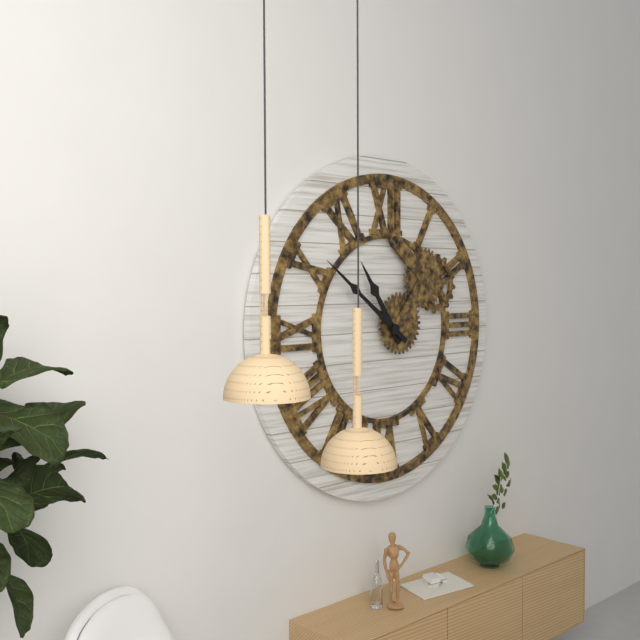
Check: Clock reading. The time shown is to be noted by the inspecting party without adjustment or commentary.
10:51
